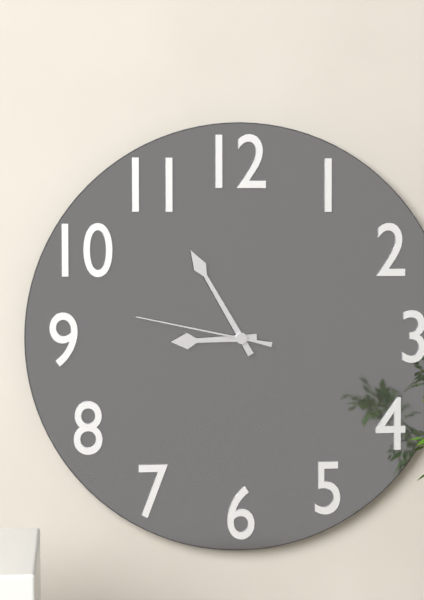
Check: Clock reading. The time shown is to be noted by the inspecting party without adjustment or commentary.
8:55:47
